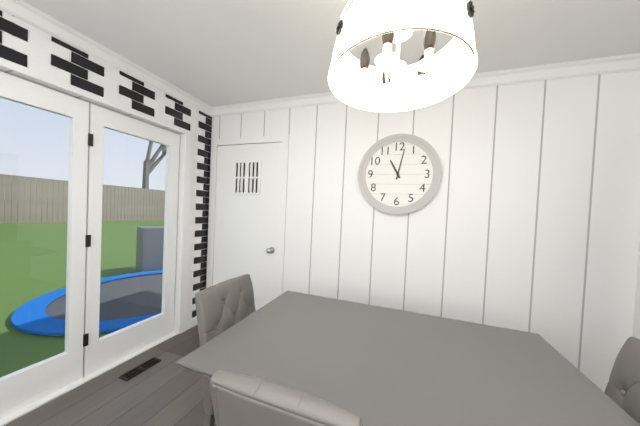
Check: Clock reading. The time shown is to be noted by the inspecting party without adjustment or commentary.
11:02
